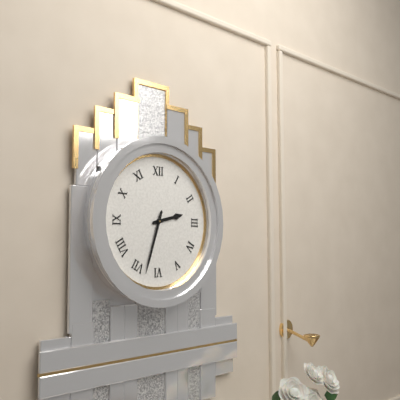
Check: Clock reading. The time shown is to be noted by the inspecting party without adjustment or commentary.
2:33
